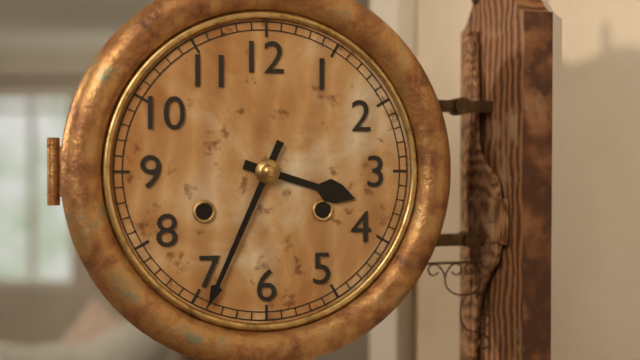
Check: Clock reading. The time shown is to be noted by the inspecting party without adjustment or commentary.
3:34
